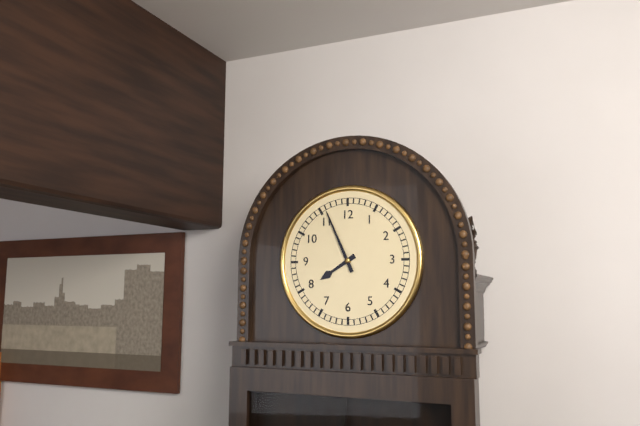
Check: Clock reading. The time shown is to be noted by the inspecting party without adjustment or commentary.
7:56
